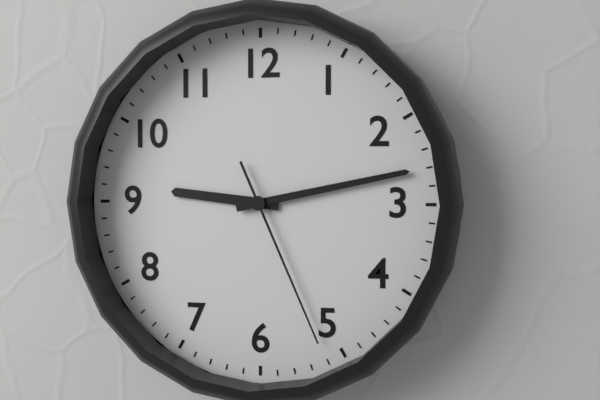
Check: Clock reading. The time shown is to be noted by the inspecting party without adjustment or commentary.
9:13:26
